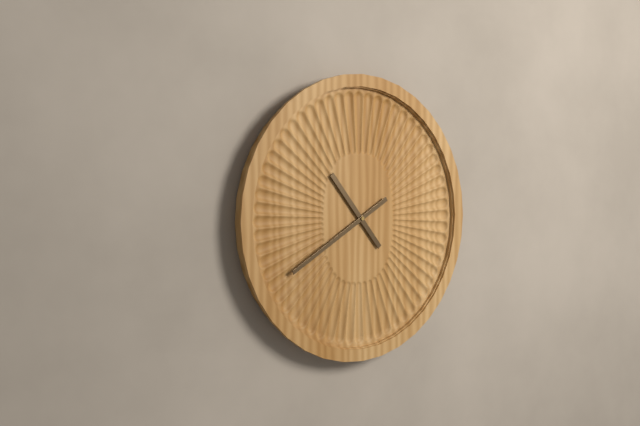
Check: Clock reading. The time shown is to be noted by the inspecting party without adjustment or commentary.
10:40
